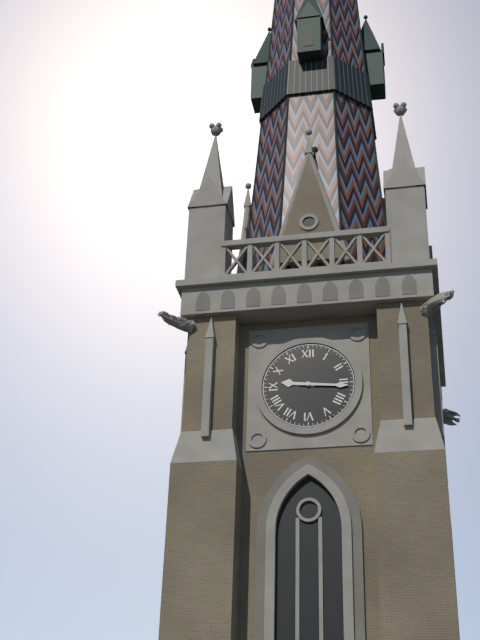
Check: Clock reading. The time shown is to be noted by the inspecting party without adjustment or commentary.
9:16
